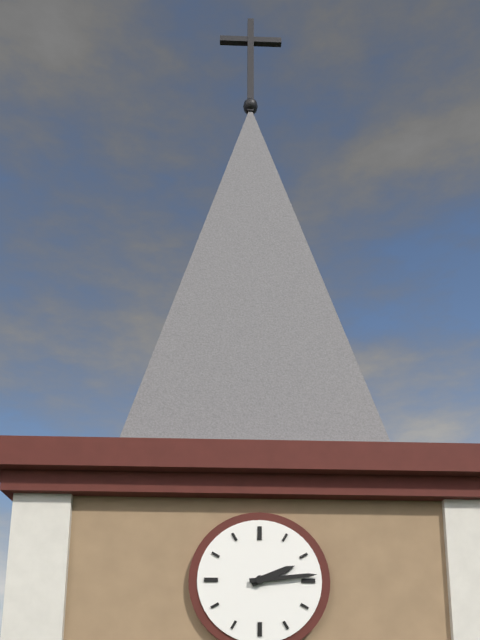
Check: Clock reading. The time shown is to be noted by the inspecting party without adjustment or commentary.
2:14
